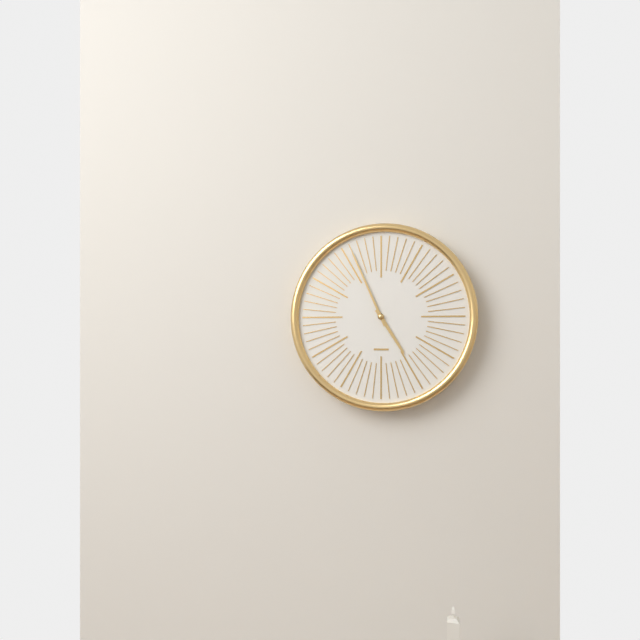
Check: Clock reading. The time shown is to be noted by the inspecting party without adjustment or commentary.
4:56
